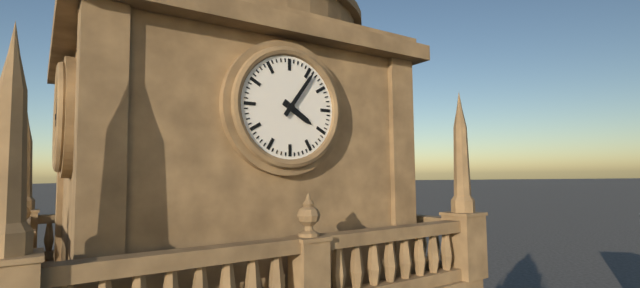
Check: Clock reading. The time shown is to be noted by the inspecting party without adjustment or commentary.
4:06
